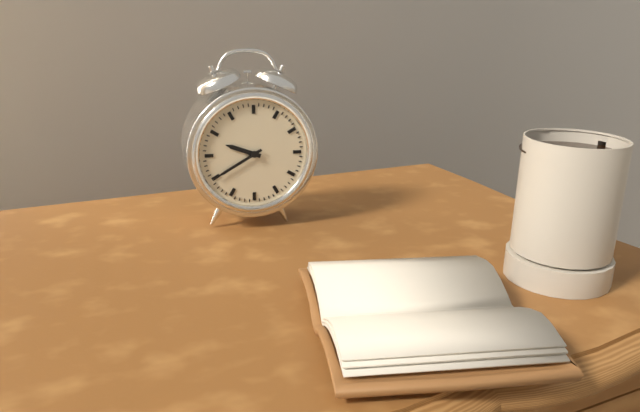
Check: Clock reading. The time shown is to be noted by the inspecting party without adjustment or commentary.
9:40
